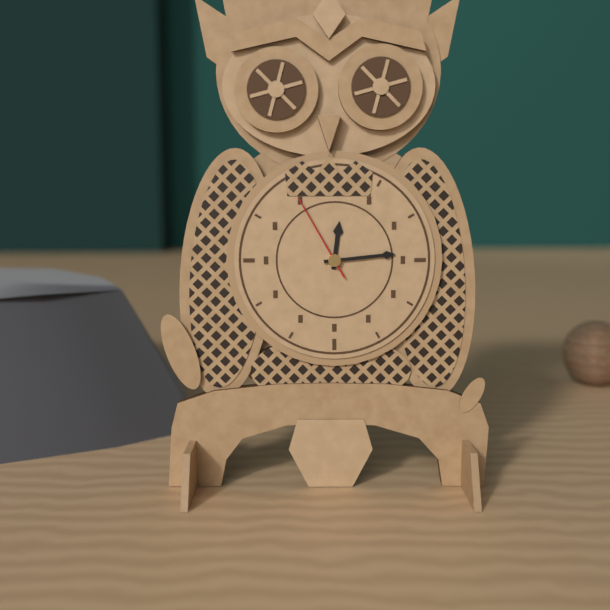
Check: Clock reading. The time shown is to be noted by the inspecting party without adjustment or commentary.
12:14:55
